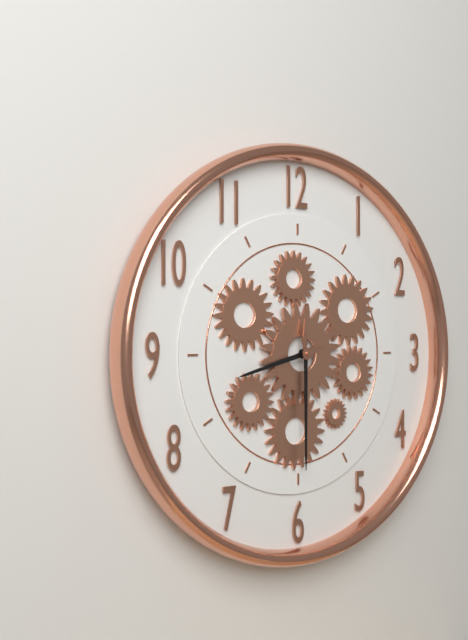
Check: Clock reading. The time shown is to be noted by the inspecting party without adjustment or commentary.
8:30
